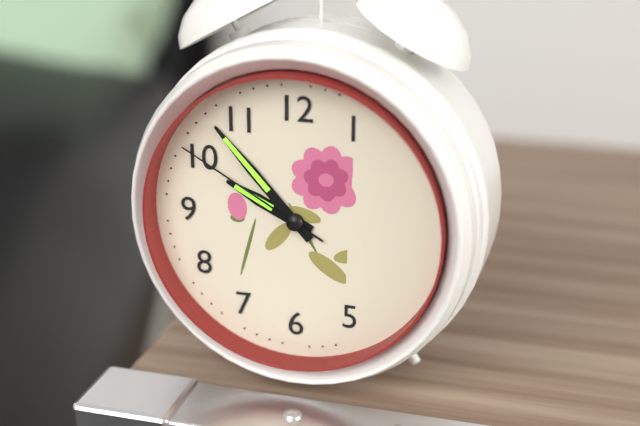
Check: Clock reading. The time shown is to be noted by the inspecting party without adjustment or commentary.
9:53:50
